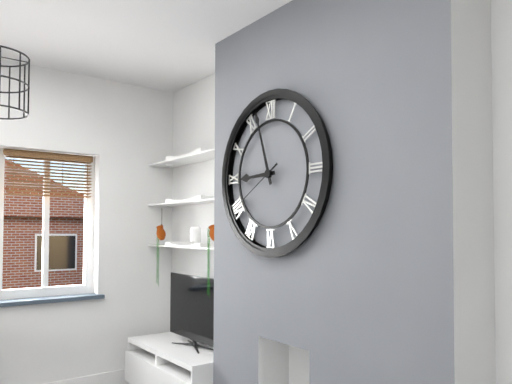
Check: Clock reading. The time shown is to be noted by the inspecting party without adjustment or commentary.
8:57:40
